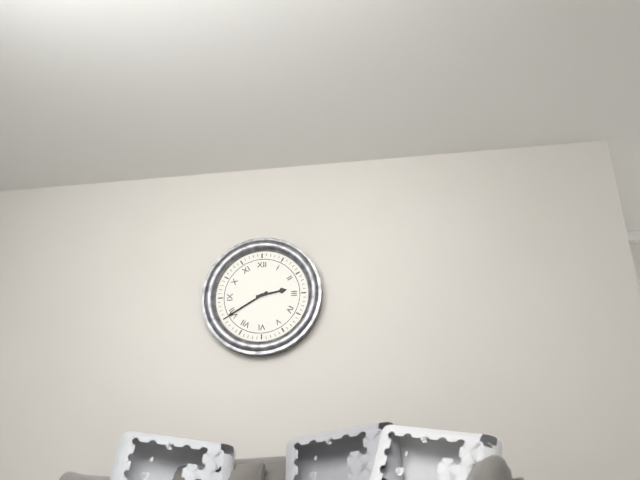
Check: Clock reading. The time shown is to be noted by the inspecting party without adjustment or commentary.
2:40
